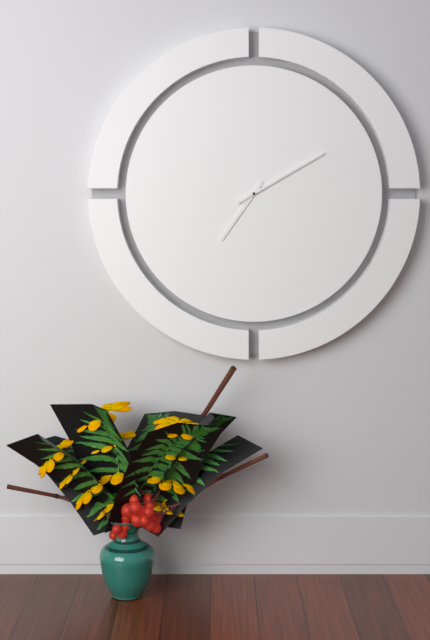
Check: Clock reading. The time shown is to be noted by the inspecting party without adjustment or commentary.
7:10
